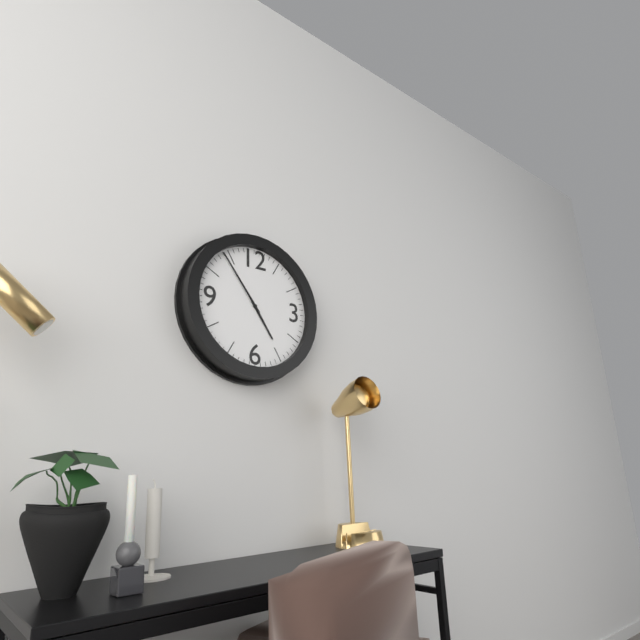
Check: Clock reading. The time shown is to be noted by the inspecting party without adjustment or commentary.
4:54
